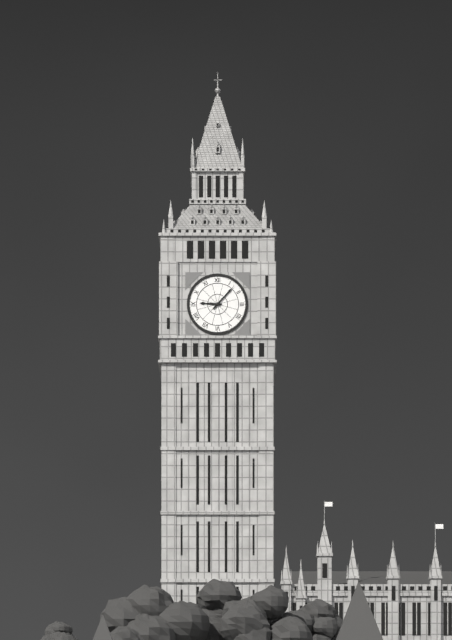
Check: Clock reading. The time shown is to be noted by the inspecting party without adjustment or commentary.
9:07
